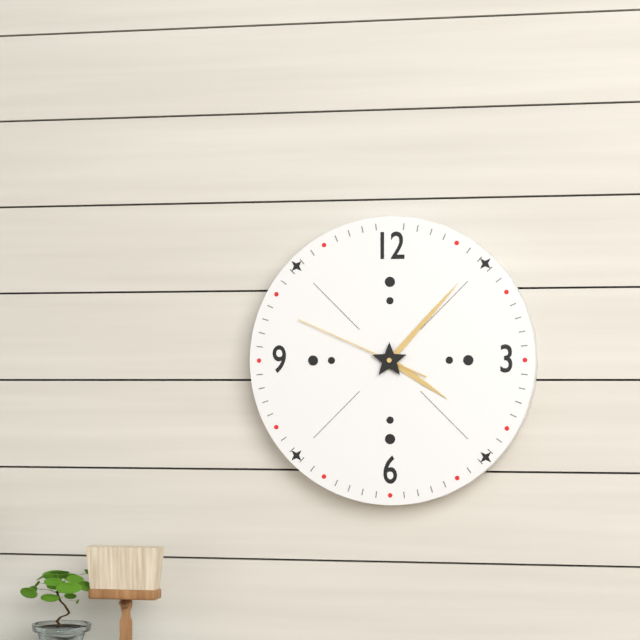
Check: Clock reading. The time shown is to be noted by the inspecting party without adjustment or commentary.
4:07:49
